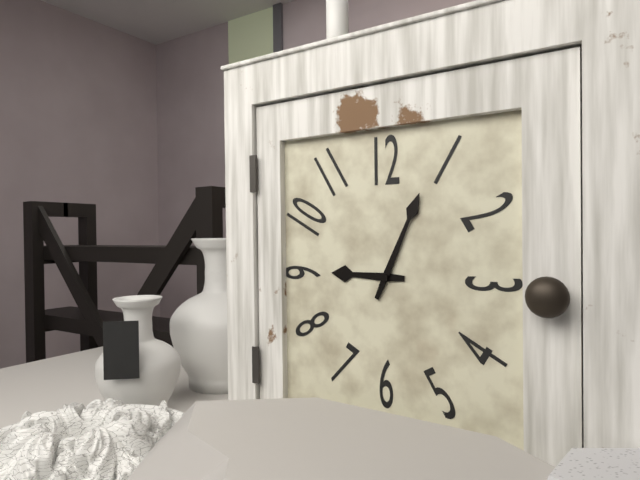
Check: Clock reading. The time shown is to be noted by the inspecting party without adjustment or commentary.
9:04
